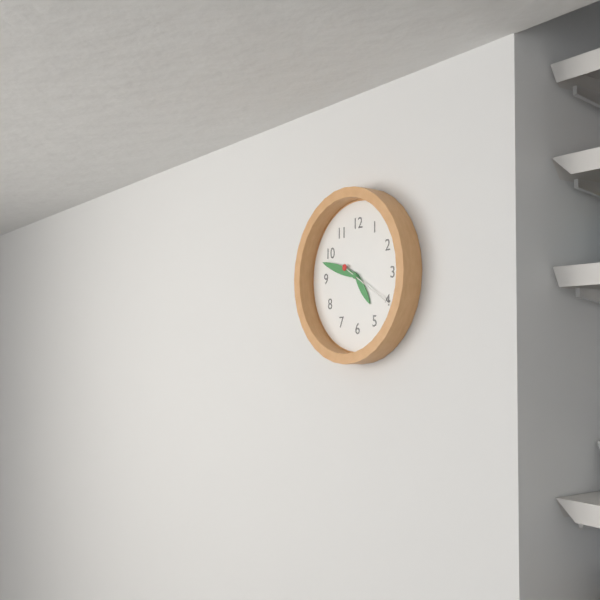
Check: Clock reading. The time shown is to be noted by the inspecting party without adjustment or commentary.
4:48:20
